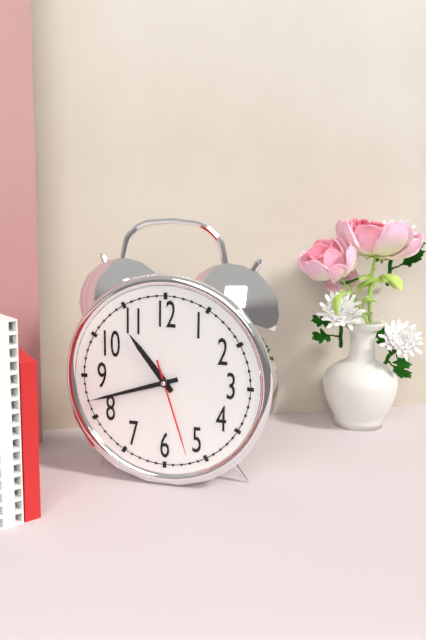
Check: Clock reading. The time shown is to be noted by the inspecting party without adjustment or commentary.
10:42:27
